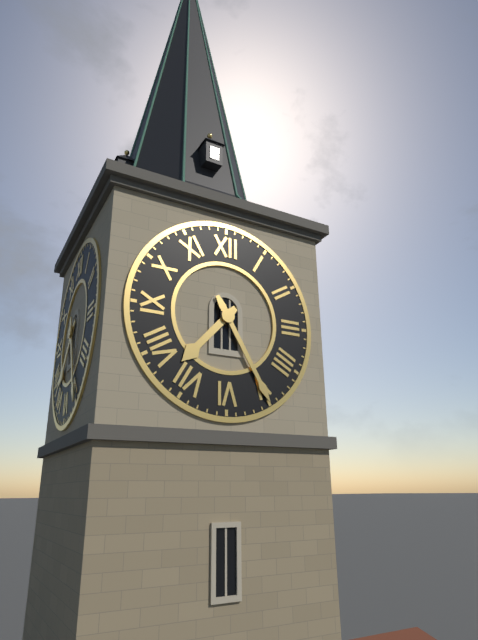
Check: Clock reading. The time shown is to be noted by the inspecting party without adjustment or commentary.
7:25
